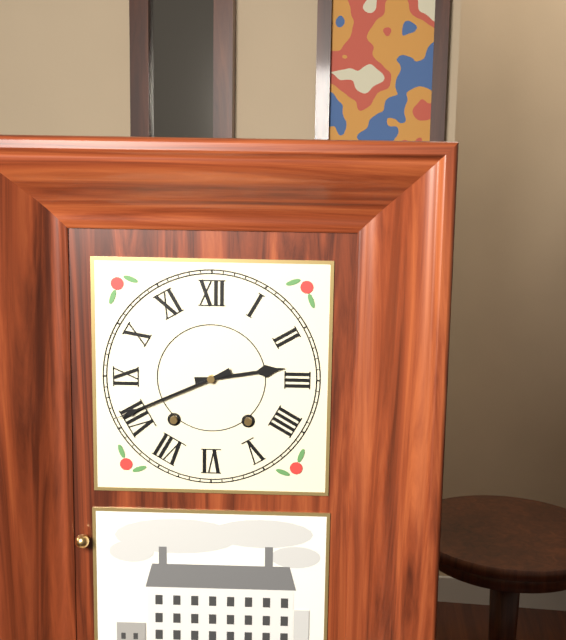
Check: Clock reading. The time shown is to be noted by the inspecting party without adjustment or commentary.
2:41
